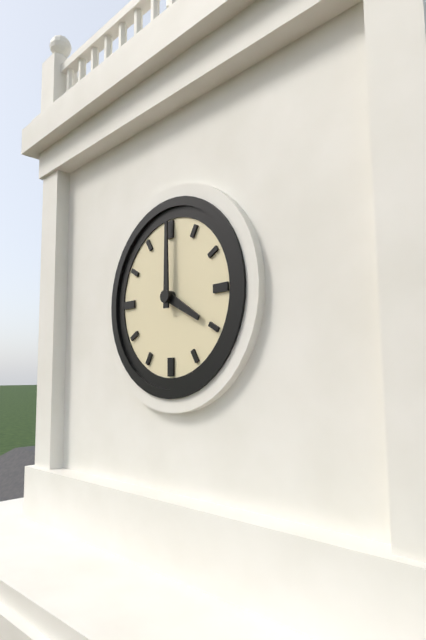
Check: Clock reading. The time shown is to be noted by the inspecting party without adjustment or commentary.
4:00
